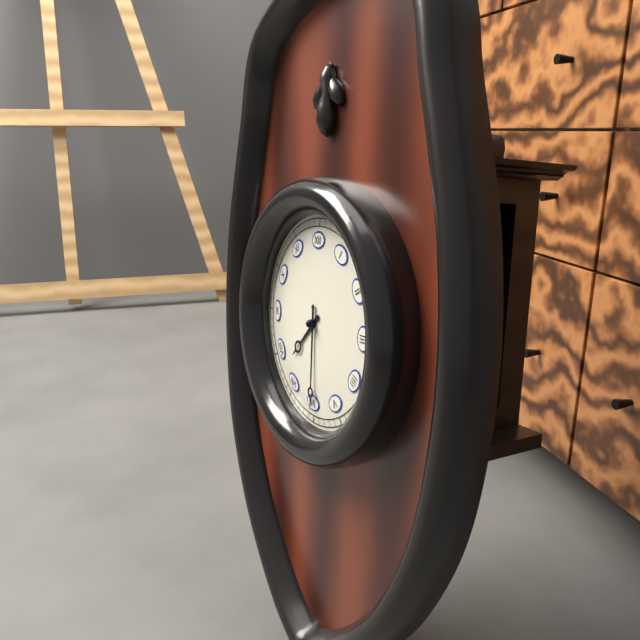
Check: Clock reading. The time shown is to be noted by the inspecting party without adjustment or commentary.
7:30
